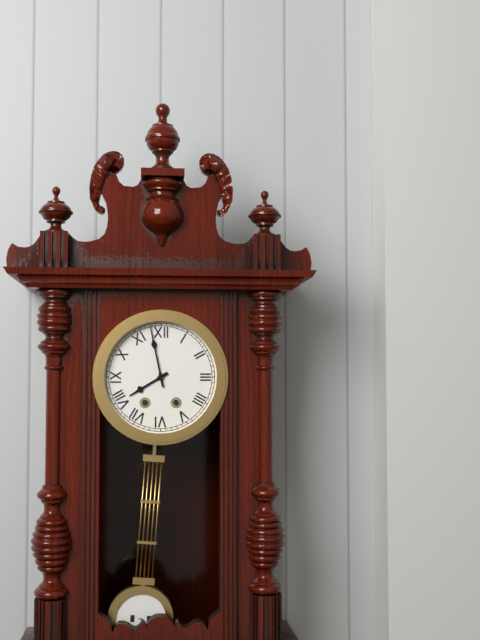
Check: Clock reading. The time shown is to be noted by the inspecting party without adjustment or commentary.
7:58
